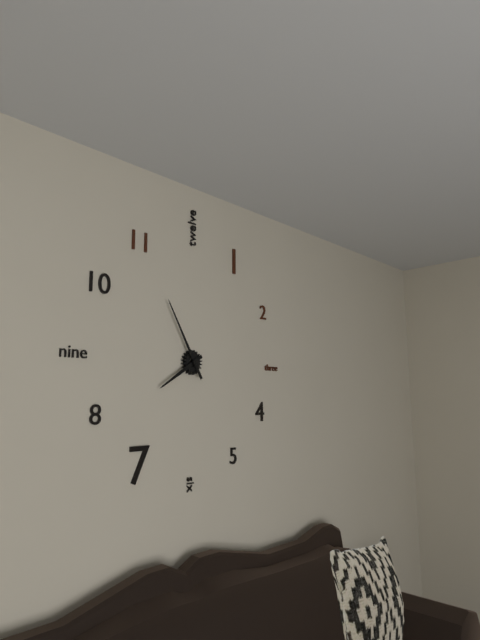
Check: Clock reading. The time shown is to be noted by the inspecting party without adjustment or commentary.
7:55
